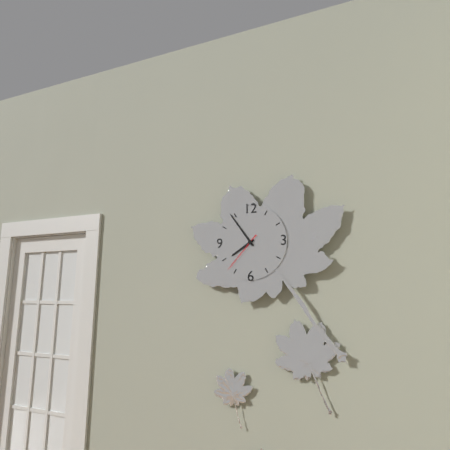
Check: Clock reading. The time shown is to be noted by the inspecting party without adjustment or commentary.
7:54
